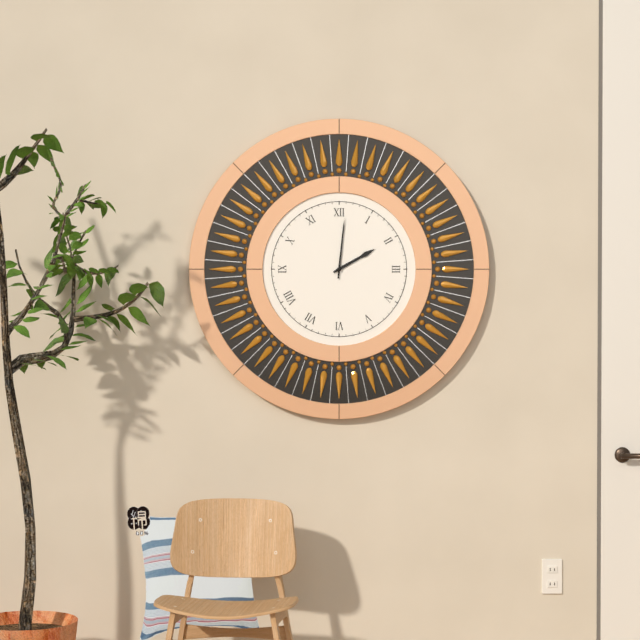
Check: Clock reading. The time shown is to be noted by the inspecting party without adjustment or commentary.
2:01
